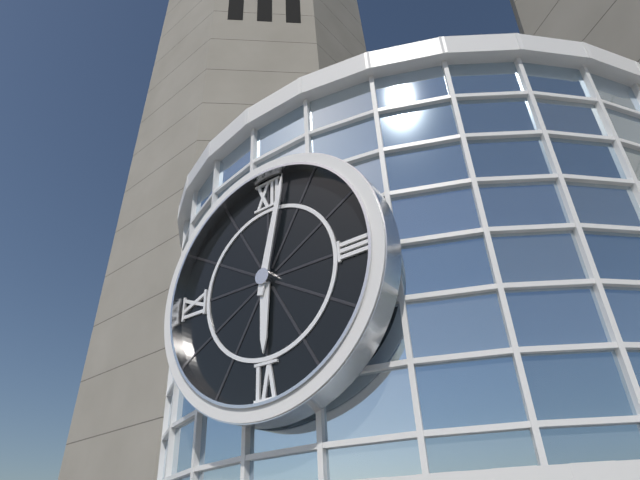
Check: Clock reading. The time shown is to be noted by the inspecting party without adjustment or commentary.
6:02
